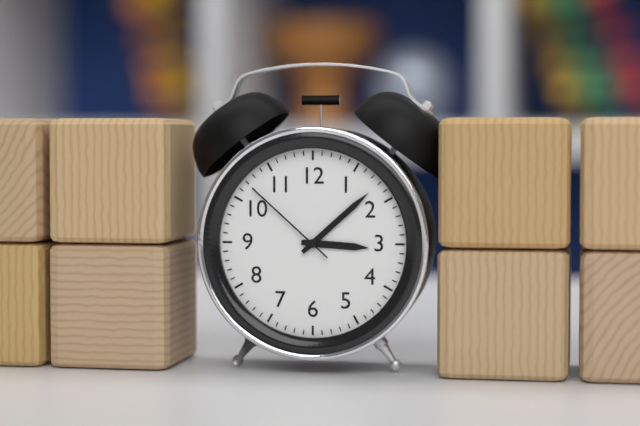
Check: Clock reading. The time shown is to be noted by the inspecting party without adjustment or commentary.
3:08:52
